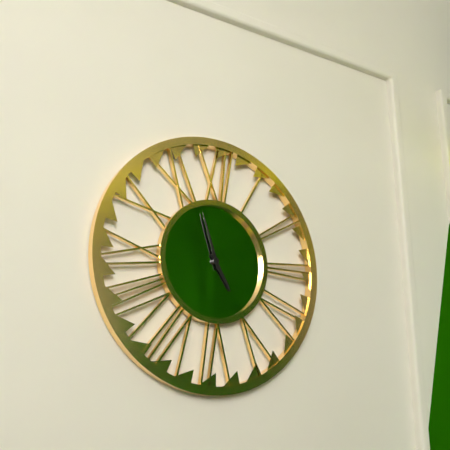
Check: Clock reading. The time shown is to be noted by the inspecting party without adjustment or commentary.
4:57
